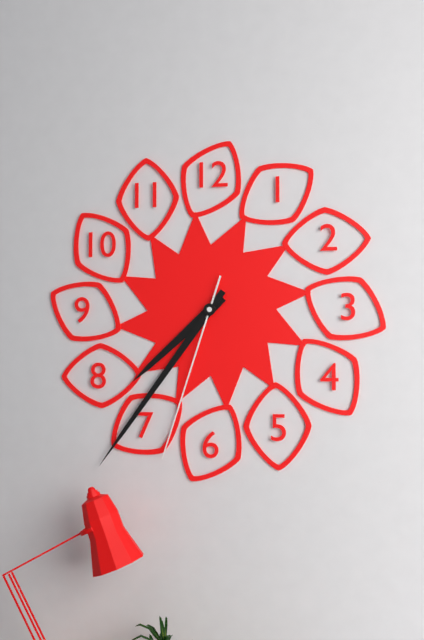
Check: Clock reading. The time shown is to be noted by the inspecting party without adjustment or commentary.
7:36:33
